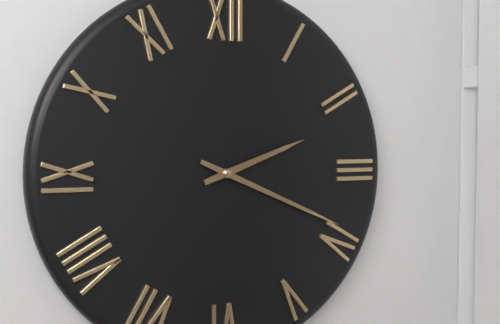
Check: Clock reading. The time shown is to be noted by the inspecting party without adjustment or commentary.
2:19
